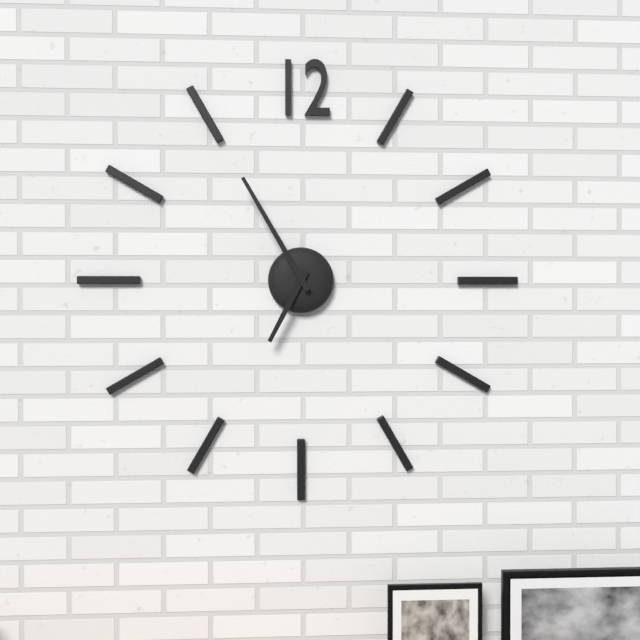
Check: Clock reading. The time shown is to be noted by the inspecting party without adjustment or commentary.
6:55
